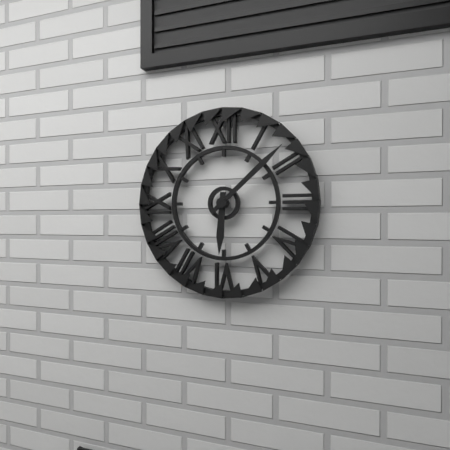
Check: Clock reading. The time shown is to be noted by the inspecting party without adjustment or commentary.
6:08
